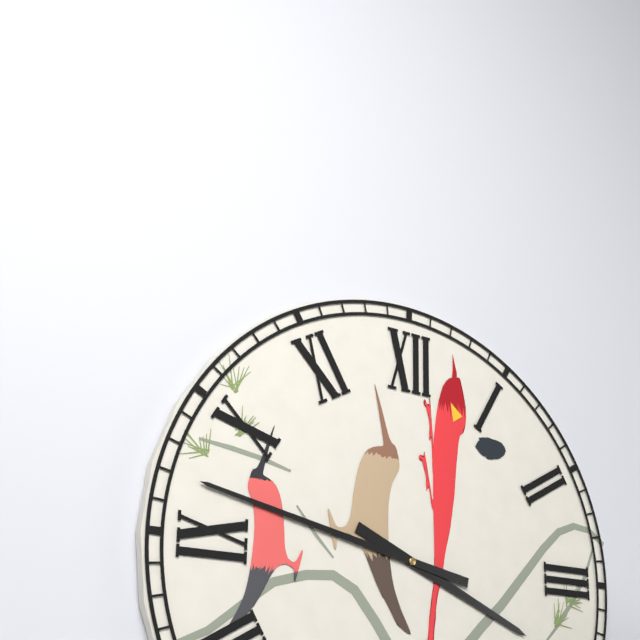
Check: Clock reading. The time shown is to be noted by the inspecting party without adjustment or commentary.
3:47
